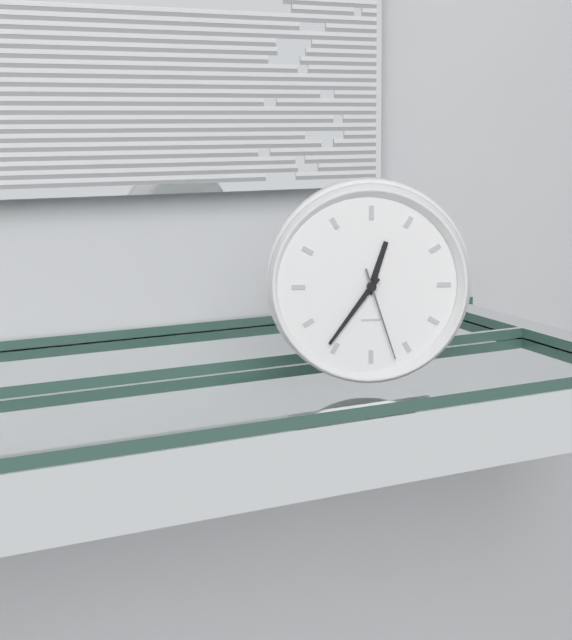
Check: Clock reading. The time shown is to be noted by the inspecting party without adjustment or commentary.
12:36:27
